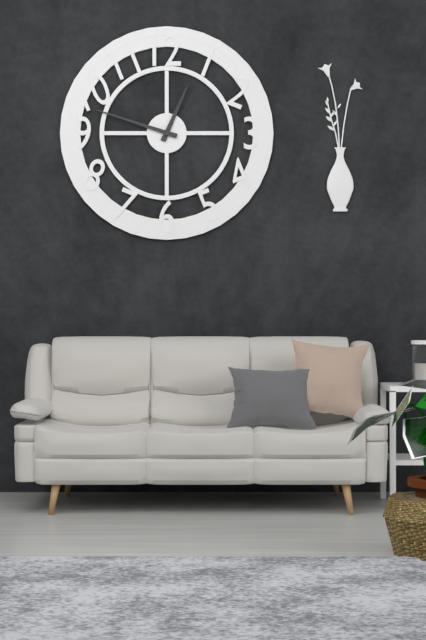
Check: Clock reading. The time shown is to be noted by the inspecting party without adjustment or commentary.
12:48
